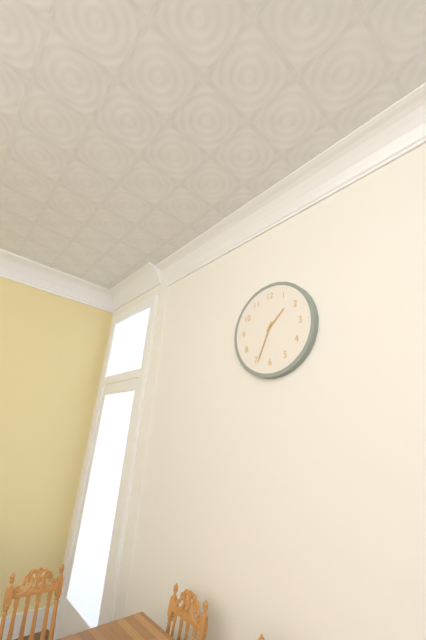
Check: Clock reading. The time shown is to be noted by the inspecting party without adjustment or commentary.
1:34
